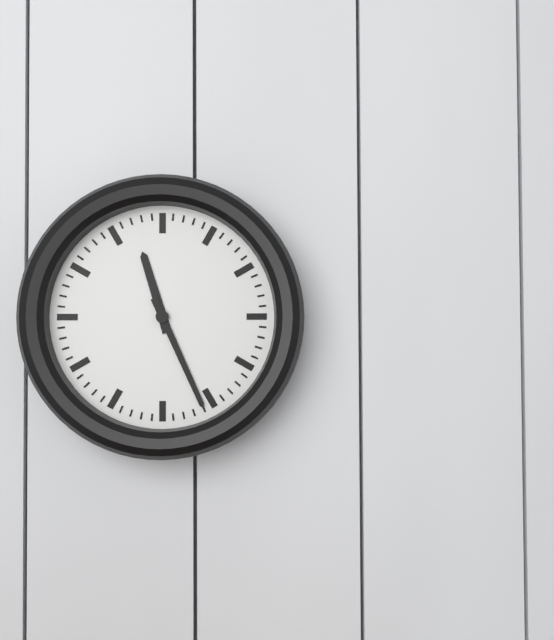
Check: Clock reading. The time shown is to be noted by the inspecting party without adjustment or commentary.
11:26
